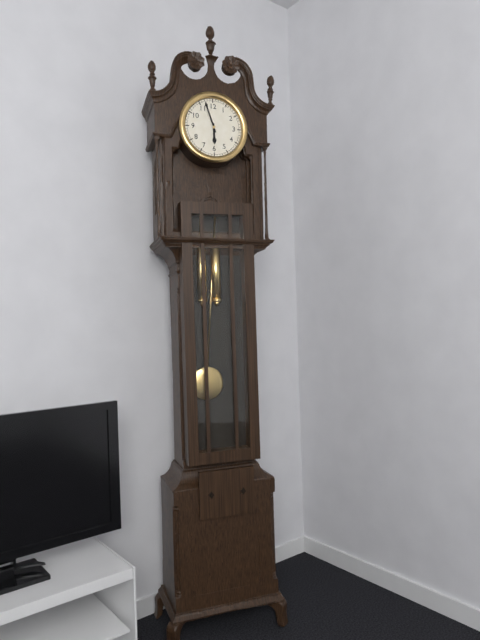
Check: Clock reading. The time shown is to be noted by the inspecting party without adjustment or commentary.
5:57
